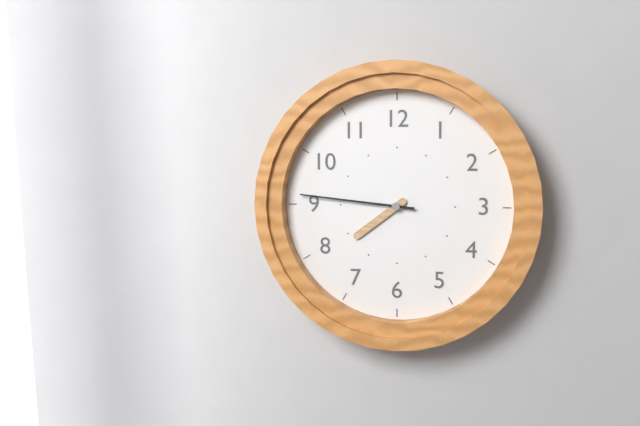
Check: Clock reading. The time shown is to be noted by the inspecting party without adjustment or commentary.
7:46
